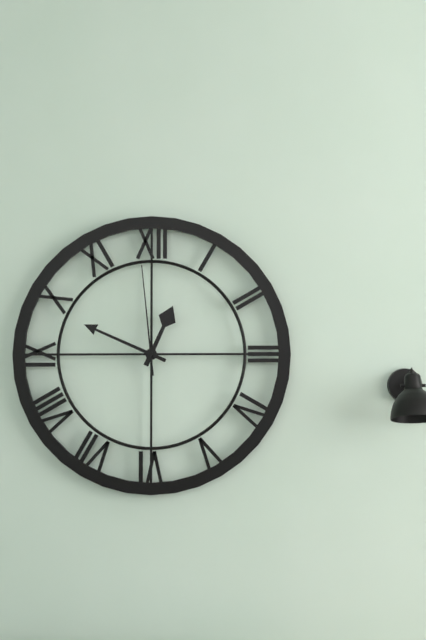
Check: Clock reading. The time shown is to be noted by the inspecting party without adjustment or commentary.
12:49:59
